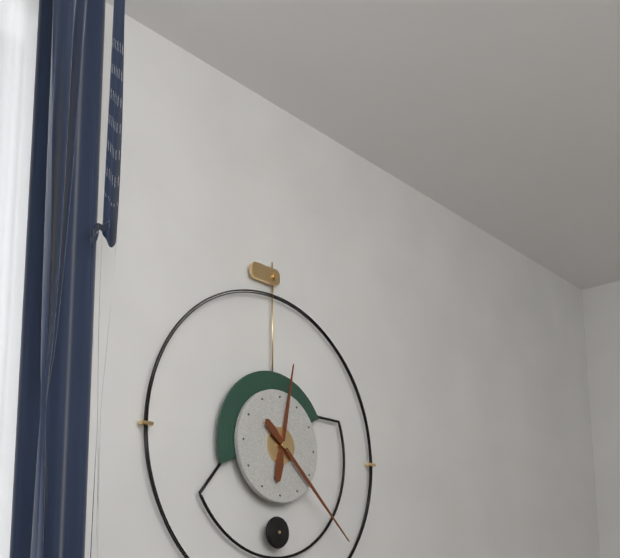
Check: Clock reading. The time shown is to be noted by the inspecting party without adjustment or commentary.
12:22
